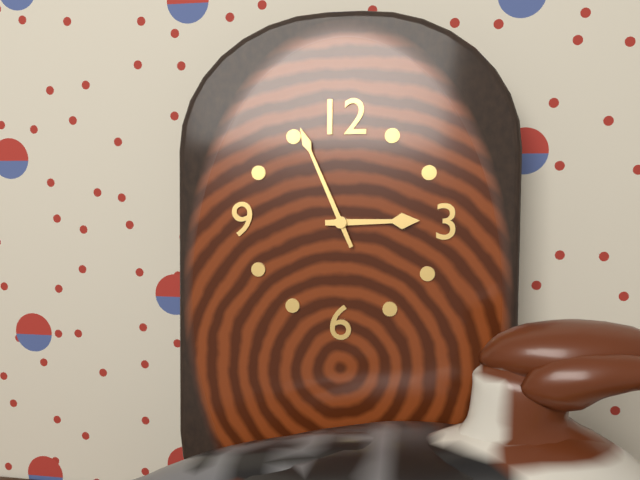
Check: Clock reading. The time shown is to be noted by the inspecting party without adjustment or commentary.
2:56
